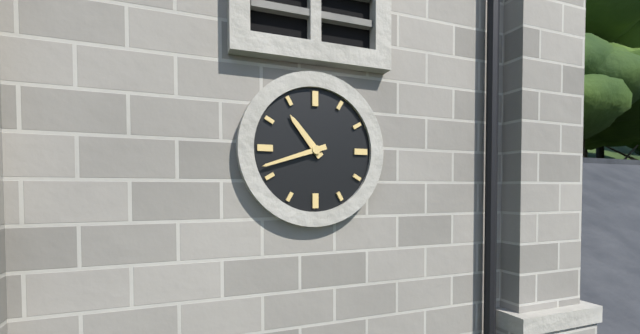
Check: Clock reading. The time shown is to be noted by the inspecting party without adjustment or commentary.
10:42
